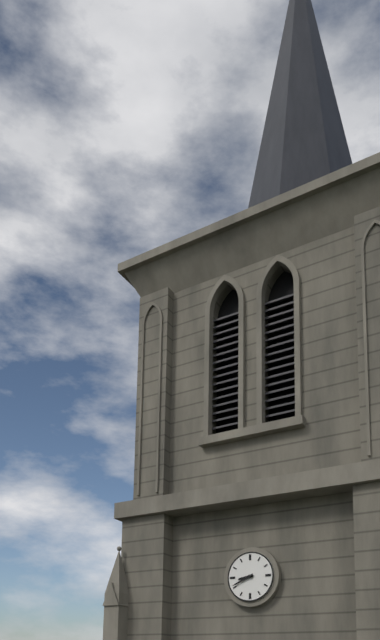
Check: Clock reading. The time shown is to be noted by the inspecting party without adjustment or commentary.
8:41
